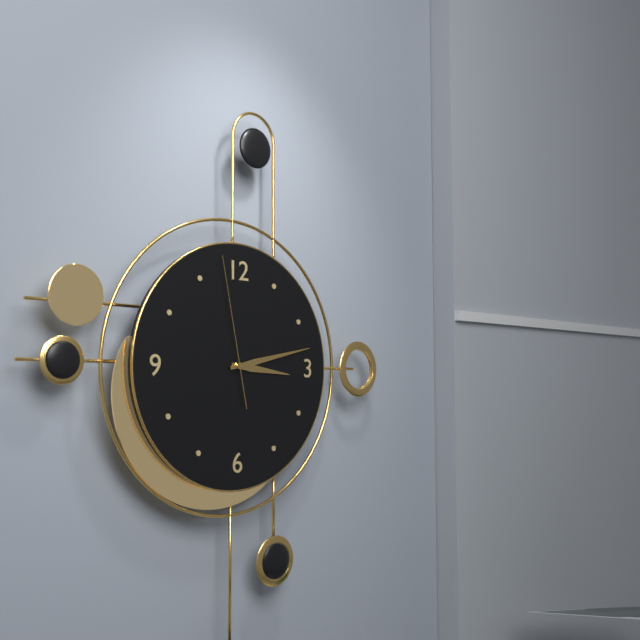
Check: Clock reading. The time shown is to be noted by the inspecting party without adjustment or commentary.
3:13:58
